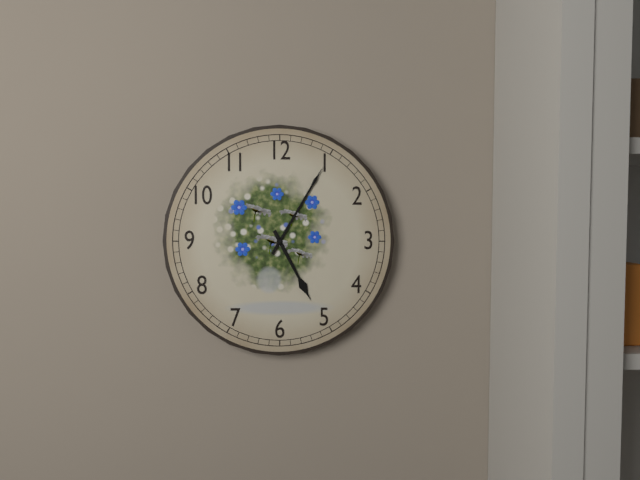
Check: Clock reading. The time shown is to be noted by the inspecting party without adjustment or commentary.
5:05
